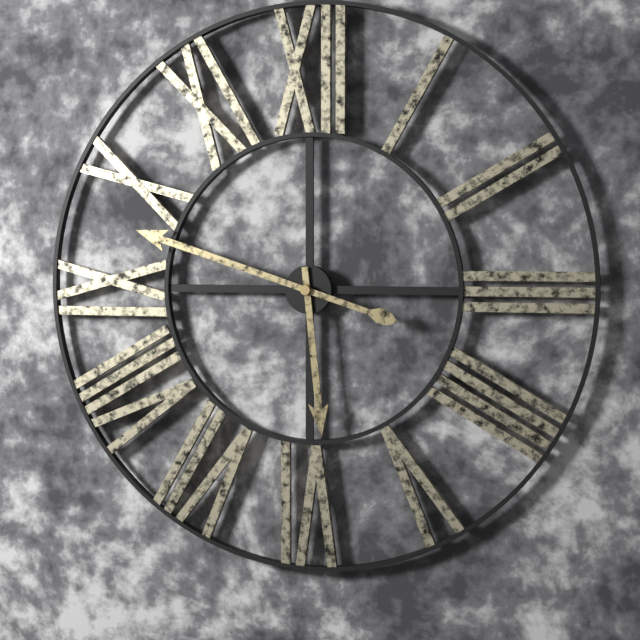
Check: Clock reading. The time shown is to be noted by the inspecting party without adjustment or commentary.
5:48
